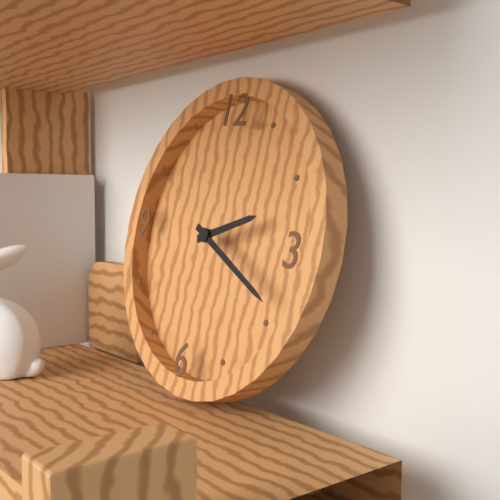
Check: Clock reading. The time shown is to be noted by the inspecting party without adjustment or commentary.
2:19
